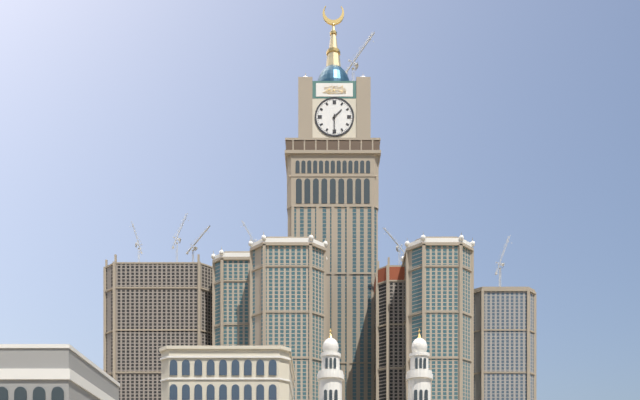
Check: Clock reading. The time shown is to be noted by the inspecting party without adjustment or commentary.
1:30
